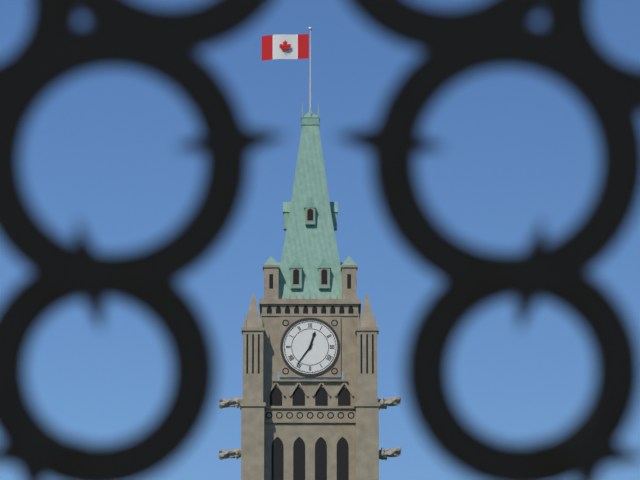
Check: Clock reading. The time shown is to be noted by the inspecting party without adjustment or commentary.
12:36
